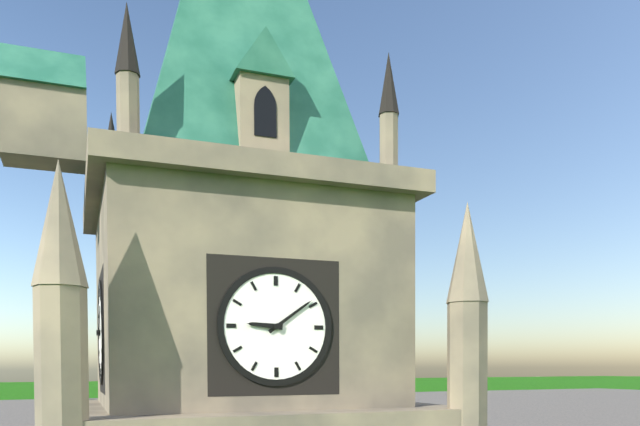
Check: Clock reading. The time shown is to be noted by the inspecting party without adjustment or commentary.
9:09
